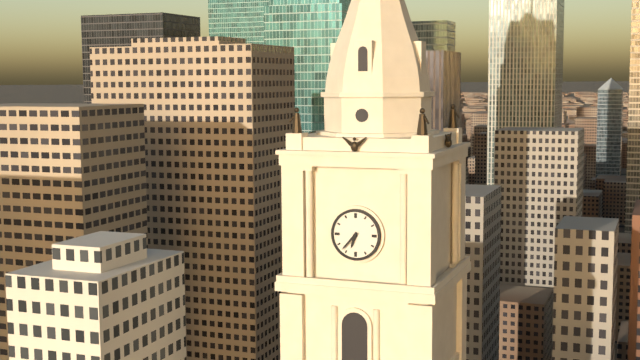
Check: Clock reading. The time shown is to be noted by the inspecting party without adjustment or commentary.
6:37
